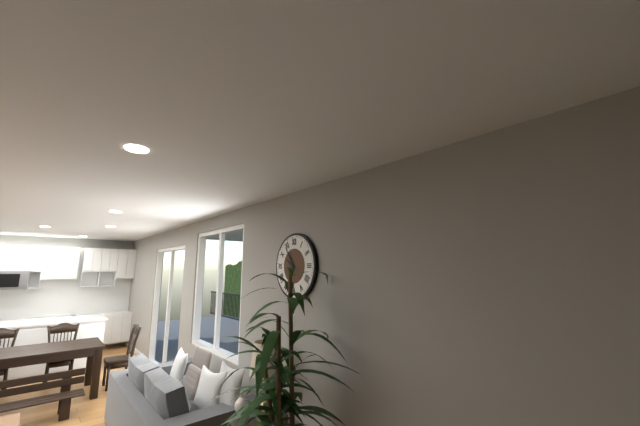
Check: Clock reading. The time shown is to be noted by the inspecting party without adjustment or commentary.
9:54
